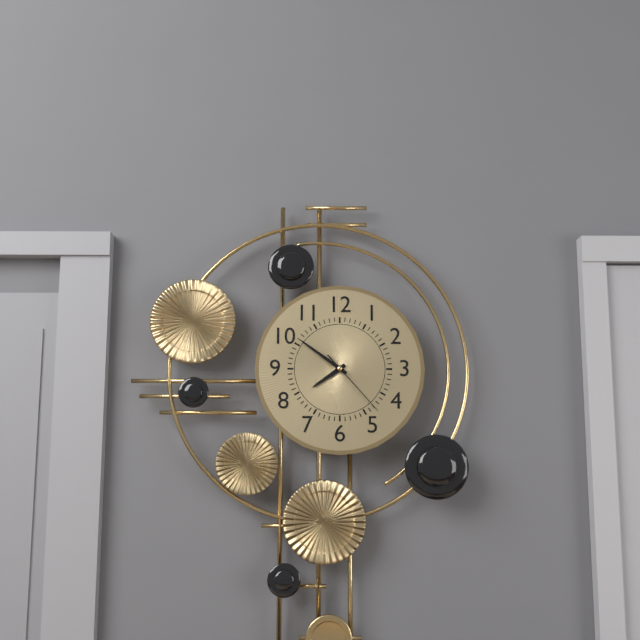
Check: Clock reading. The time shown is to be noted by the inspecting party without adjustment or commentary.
7:51:23
